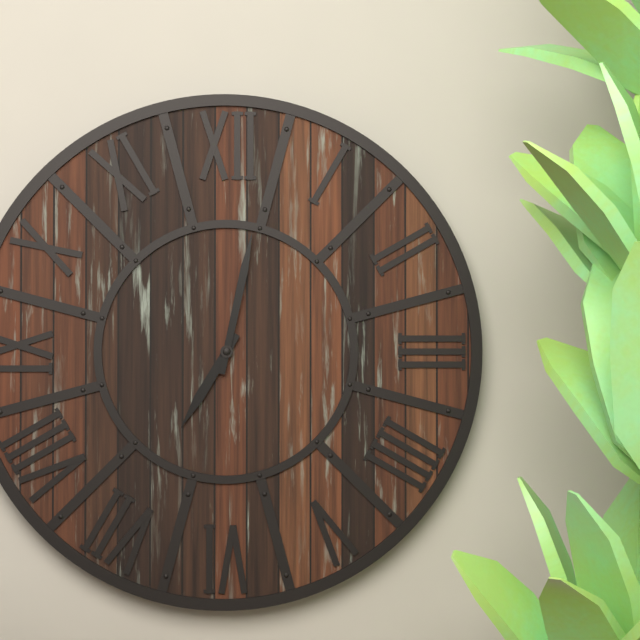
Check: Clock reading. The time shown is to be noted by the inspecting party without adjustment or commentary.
7:02
